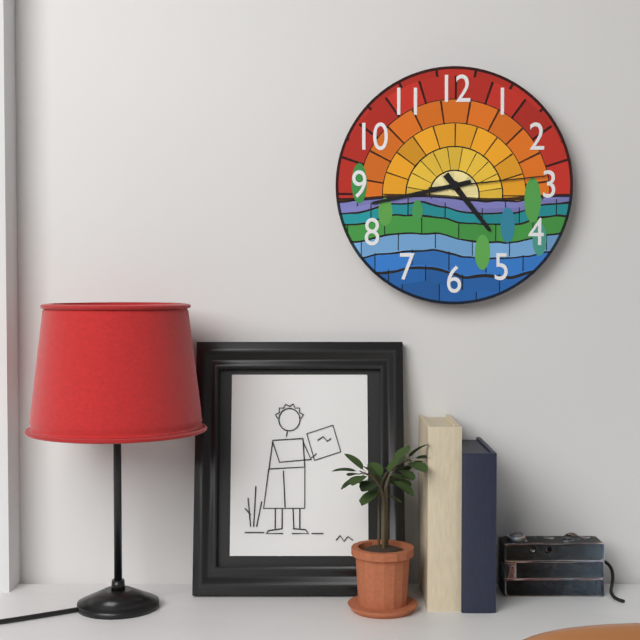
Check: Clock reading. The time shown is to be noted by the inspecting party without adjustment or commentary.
4:43:14
